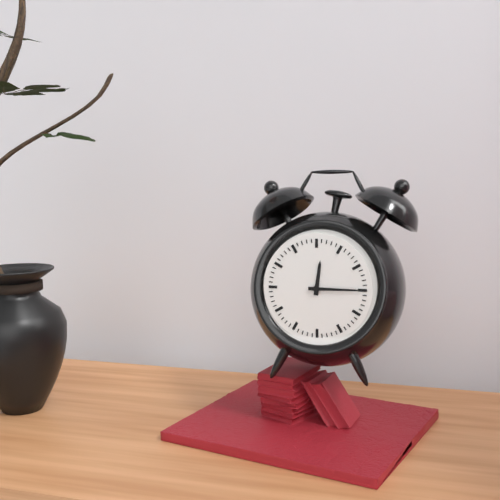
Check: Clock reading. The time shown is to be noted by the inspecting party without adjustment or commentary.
12:15
